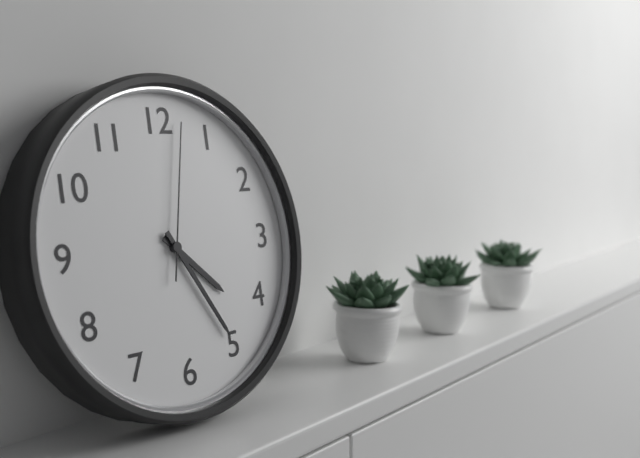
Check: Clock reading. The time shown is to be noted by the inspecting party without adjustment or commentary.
4:25:02
